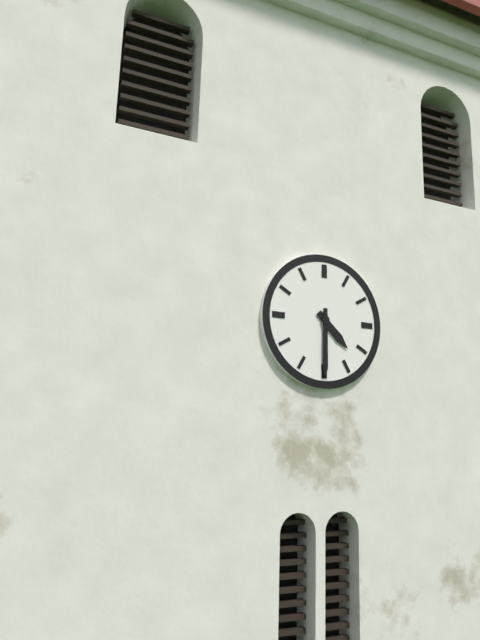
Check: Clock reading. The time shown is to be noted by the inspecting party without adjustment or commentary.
4:30
